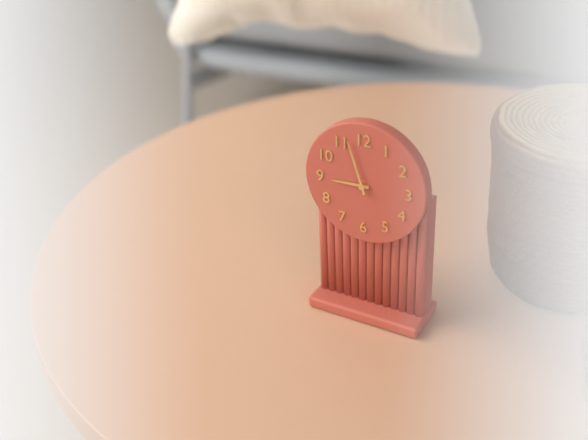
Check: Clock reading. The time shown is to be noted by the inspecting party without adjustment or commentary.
8:57
